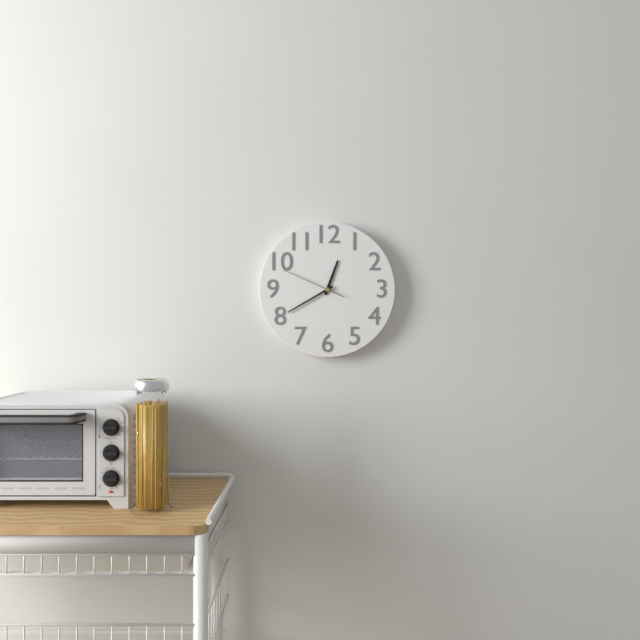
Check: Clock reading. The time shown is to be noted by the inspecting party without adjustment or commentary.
12:40:49
